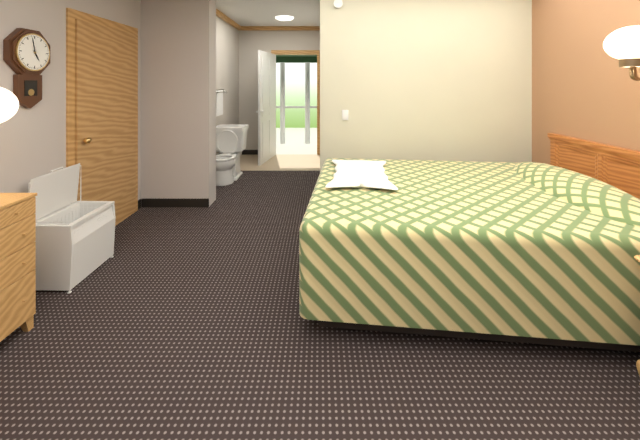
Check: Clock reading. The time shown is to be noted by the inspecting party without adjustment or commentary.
4:58
